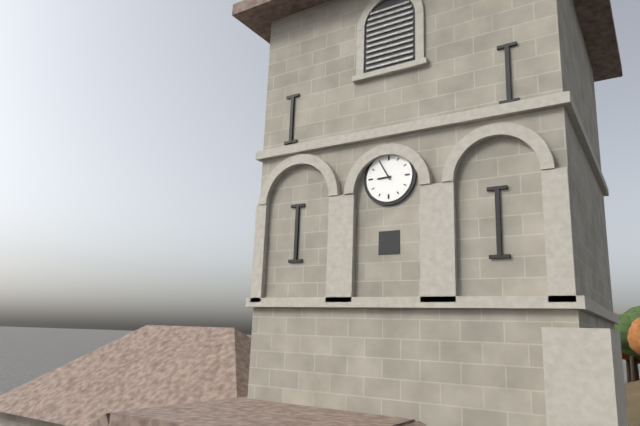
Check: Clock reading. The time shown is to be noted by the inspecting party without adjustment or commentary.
8:55
